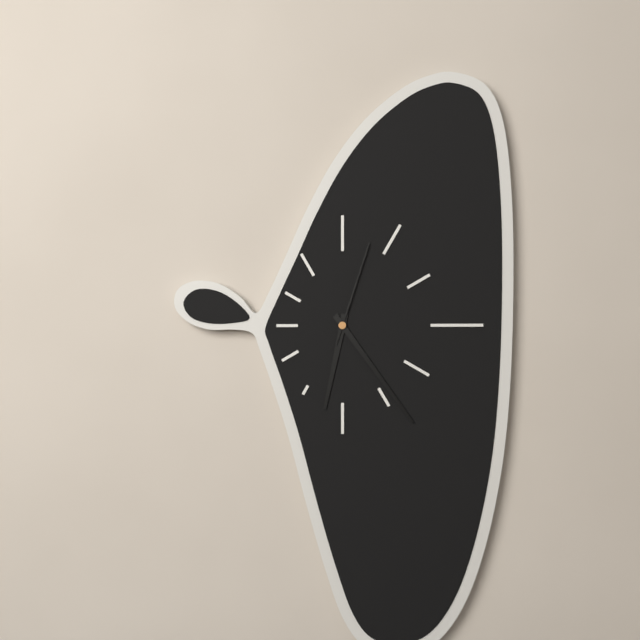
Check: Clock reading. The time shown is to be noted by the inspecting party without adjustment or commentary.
6:24:03
